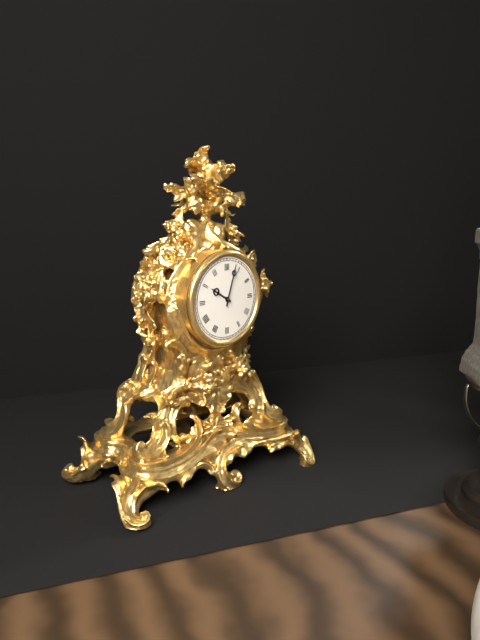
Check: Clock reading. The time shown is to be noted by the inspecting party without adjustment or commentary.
10:03
